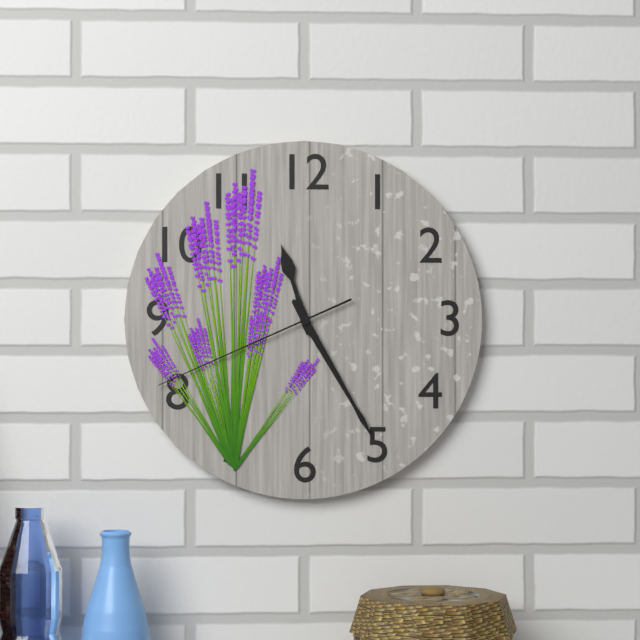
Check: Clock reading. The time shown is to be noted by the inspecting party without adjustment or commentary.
11:25:41
